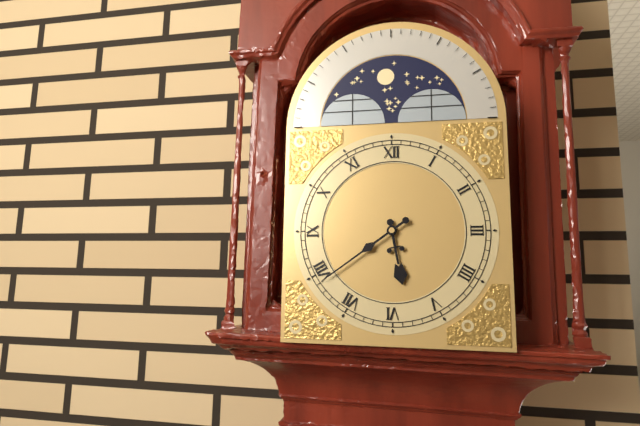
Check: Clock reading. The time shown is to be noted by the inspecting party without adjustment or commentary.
5:39
